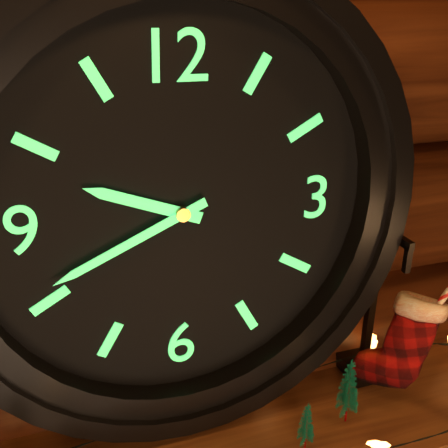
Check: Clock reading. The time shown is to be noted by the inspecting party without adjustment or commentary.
9:41
